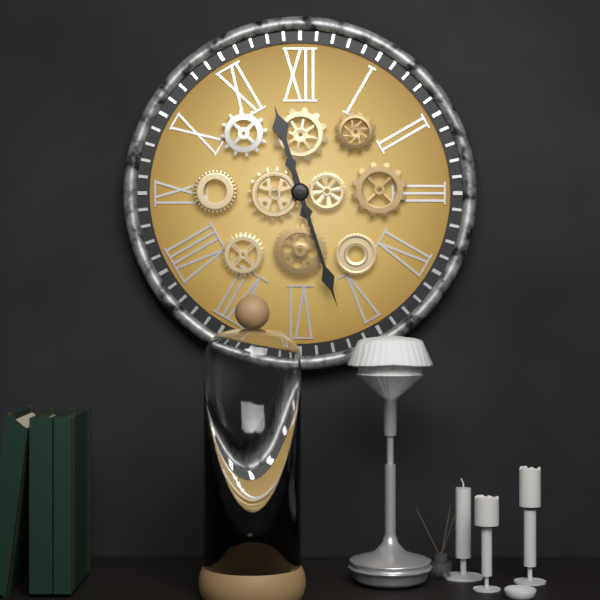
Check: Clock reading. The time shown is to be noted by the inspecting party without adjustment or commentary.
11:27
